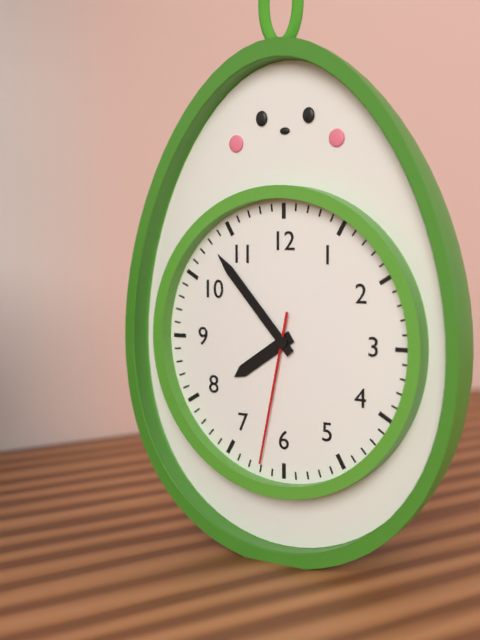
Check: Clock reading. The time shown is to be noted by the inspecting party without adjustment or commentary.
7:53:32
